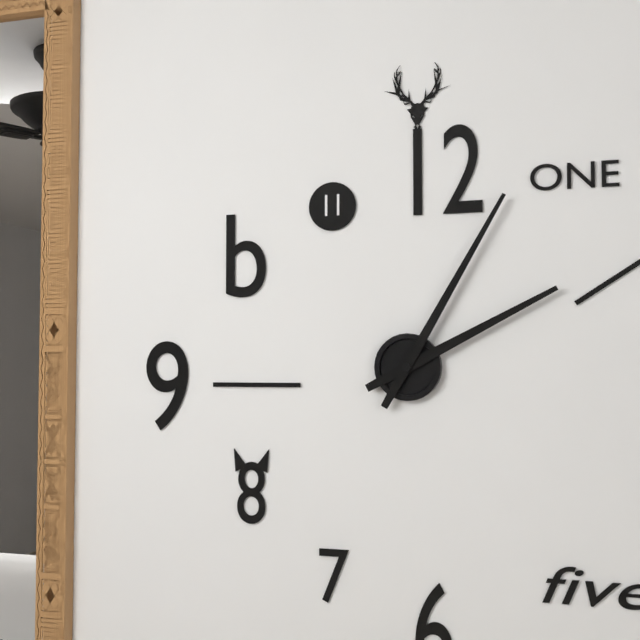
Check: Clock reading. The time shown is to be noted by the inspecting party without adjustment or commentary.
2:05
